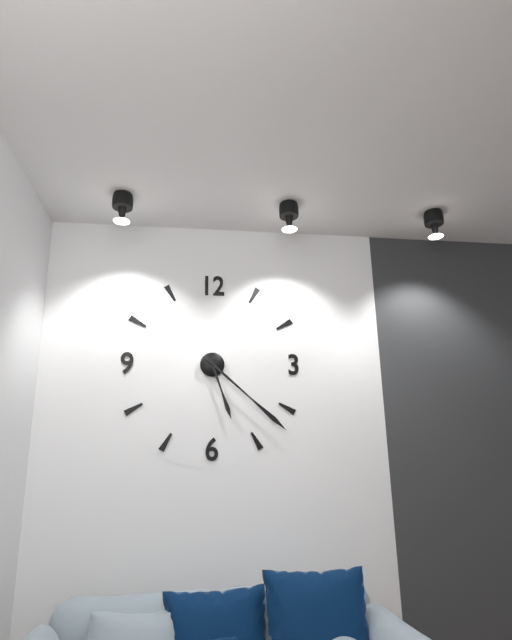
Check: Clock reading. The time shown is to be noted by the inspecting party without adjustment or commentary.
5:22
